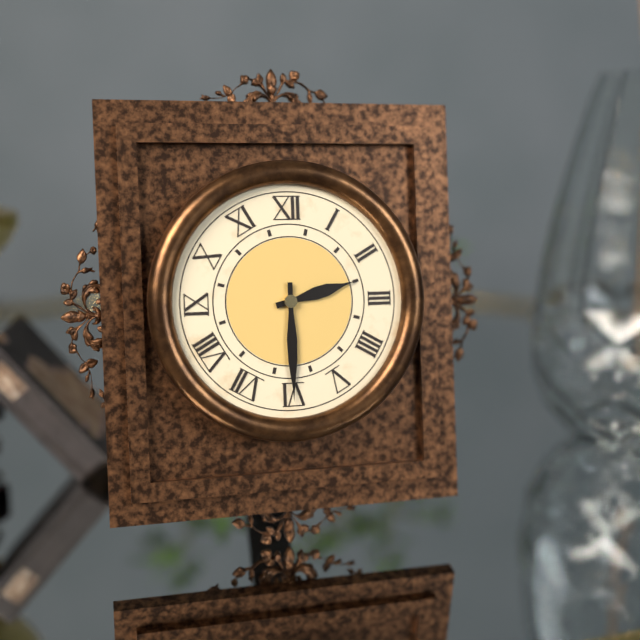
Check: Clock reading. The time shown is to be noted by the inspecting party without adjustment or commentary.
2:30
